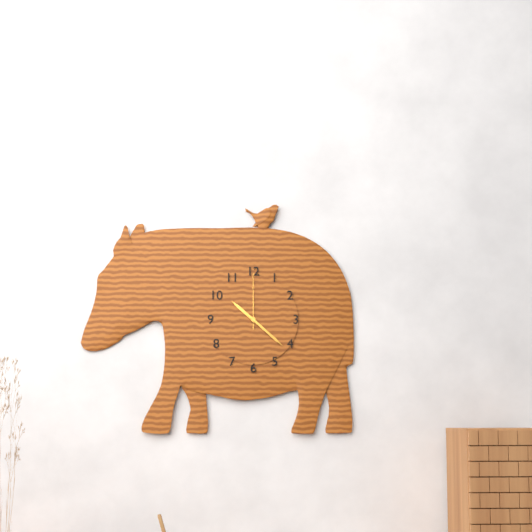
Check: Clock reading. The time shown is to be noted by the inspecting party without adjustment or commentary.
10:22:00
